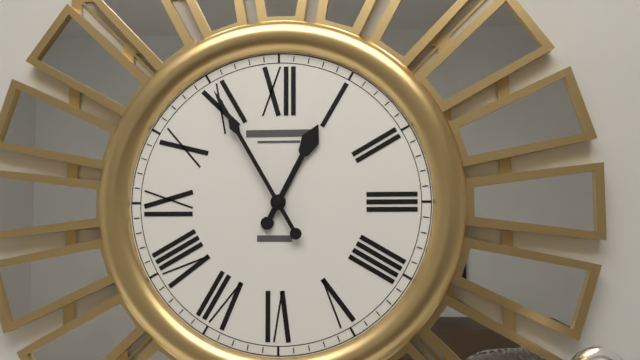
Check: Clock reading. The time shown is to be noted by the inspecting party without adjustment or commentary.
12:55
